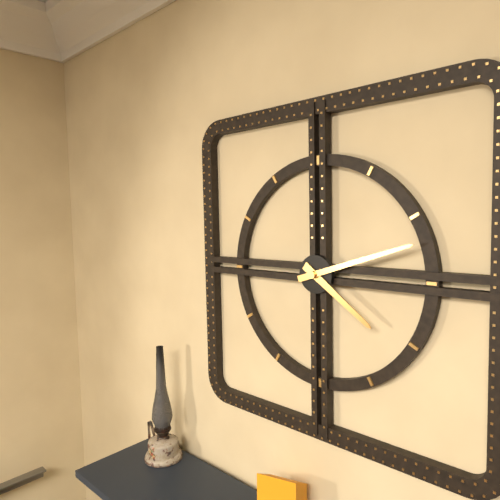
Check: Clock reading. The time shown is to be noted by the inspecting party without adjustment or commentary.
4:12
